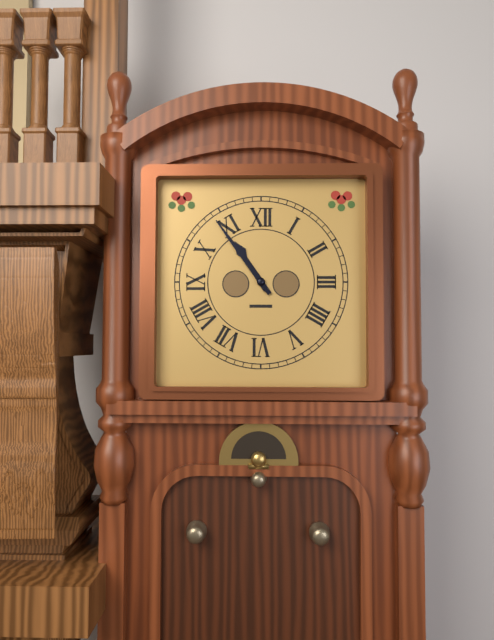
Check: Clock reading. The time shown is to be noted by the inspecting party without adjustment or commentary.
10:54
